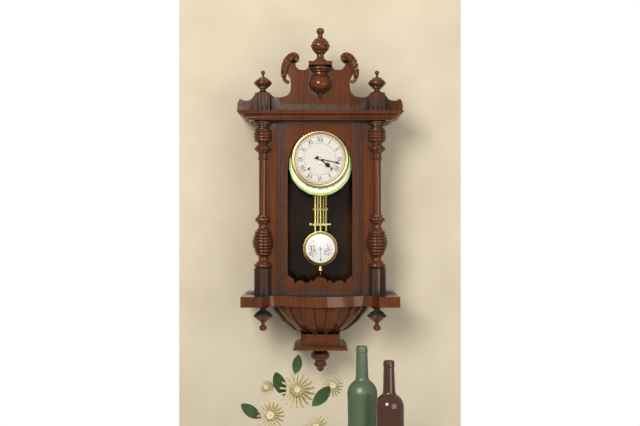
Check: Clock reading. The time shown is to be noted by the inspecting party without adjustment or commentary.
4:17
